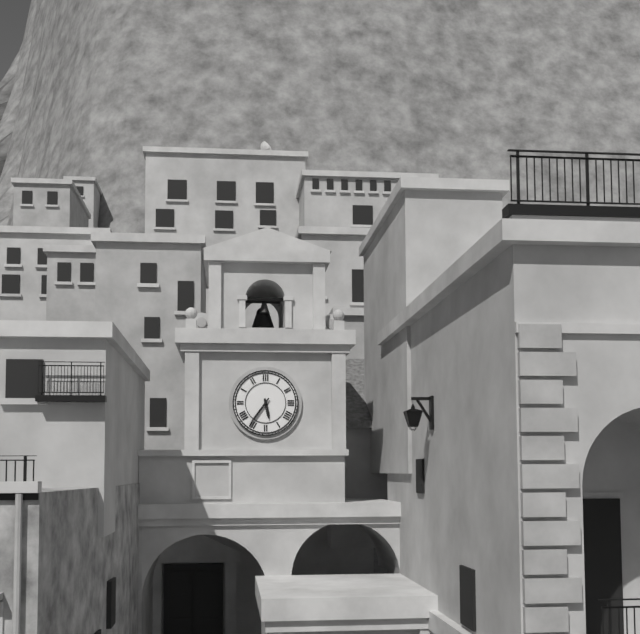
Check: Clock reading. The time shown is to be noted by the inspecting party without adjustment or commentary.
5:36
